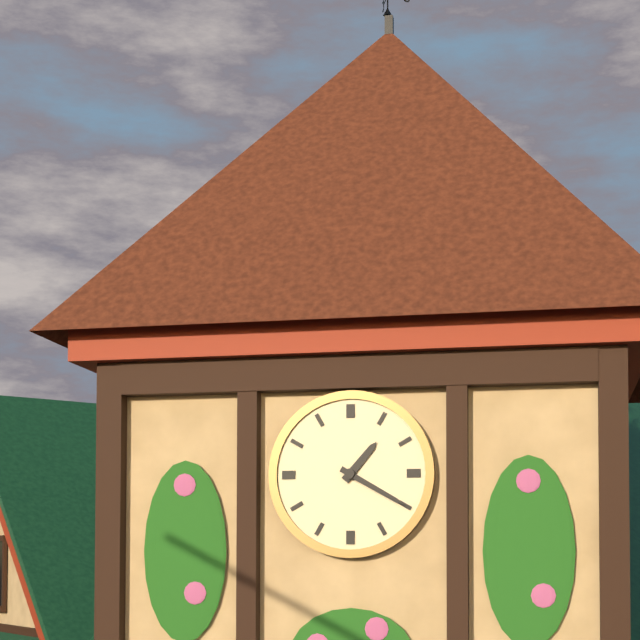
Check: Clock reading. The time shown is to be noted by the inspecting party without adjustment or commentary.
1:20
